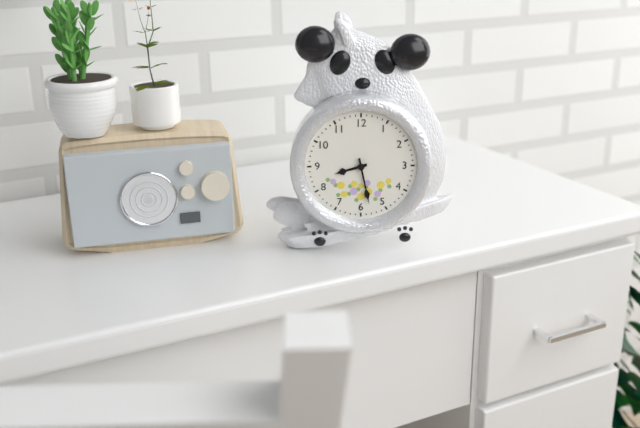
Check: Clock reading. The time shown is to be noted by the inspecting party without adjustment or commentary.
8:28
